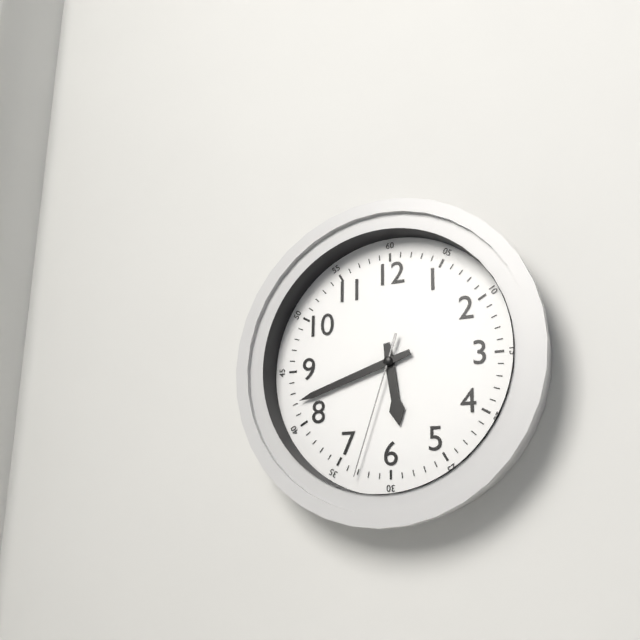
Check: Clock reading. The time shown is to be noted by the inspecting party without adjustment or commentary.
5:42:33
